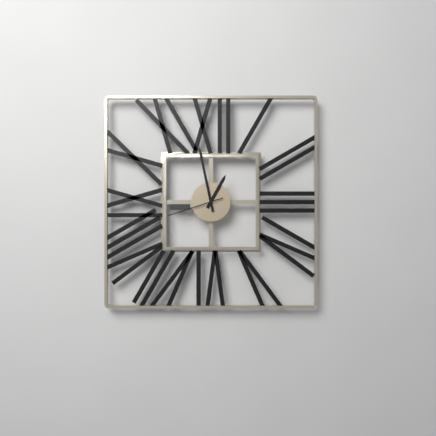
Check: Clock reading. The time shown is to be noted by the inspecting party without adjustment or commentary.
12:58:42
